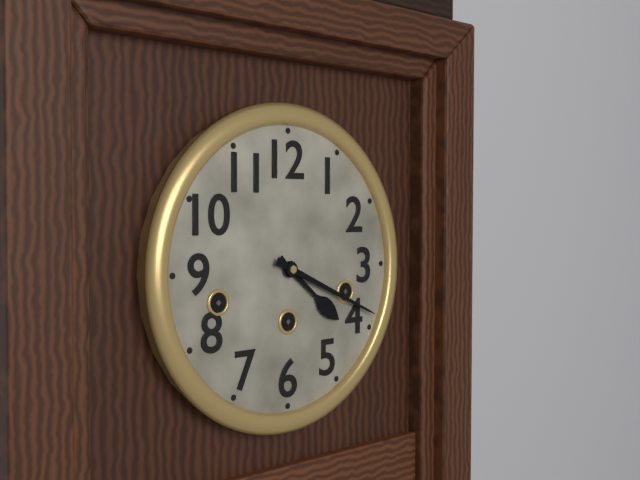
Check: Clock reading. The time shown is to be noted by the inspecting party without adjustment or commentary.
4:19
